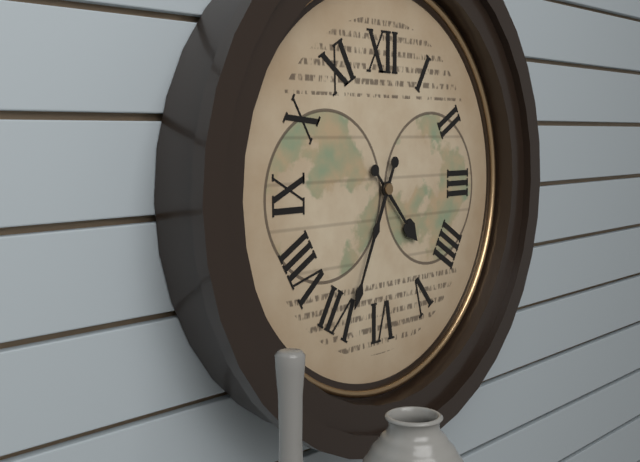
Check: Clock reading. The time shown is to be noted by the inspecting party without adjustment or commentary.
4:34
